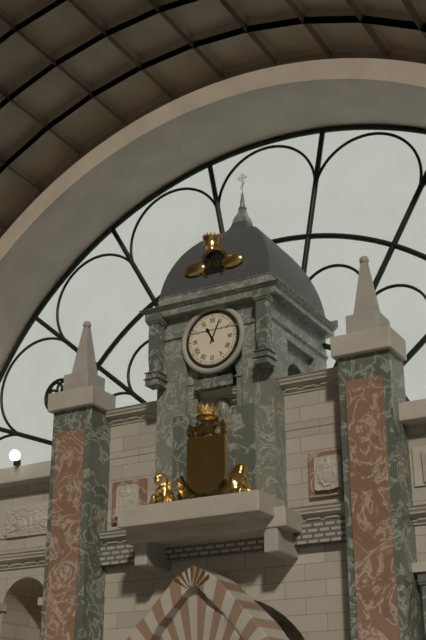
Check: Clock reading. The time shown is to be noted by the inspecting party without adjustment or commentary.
11:04
